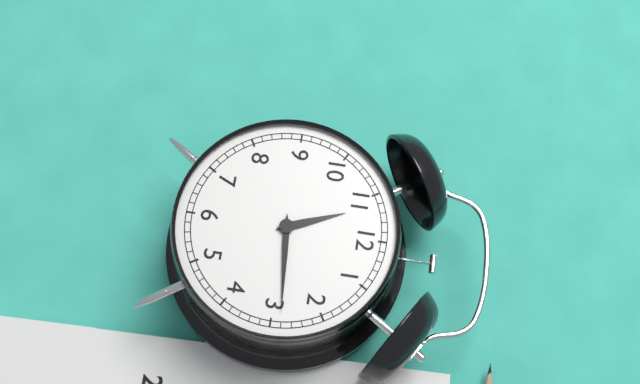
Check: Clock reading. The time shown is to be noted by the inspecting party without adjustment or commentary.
11:14
